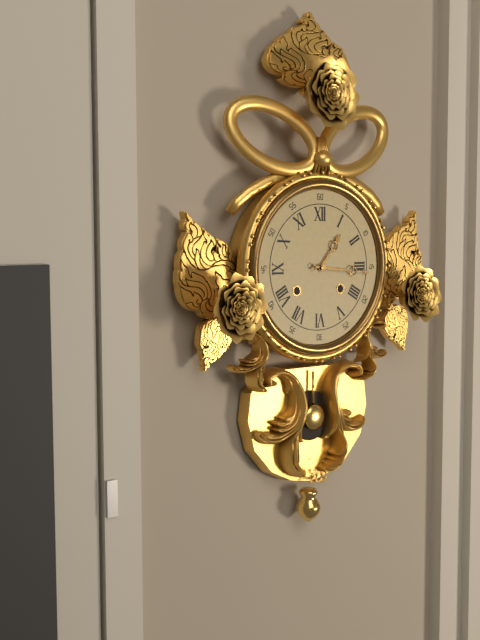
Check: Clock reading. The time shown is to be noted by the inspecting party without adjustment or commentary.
1:16
